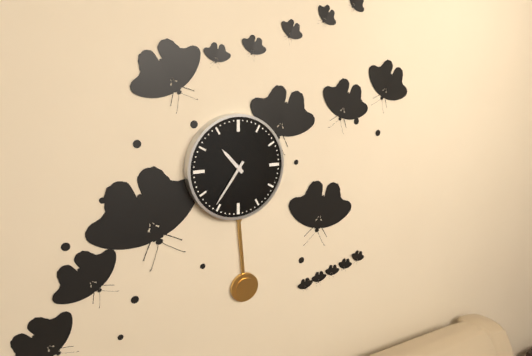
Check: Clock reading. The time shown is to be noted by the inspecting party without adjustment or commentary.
10:36
